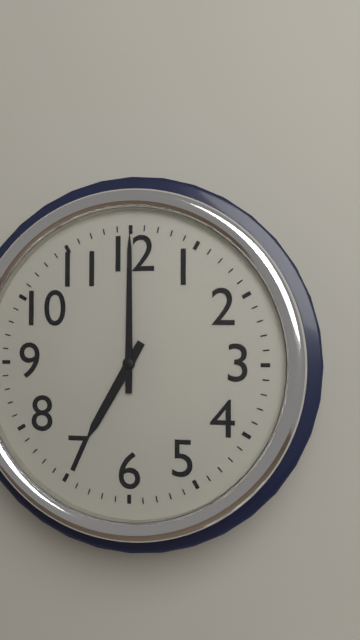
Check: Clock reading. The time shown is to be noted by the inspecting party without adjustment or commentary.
7:00
